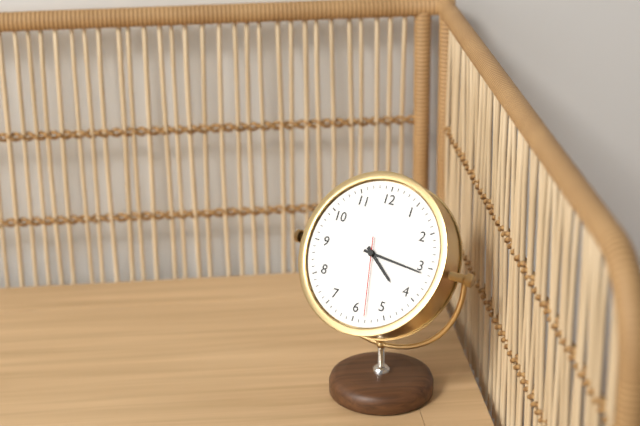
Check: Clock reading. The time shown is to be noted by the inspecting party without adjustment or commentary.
4:16:28
